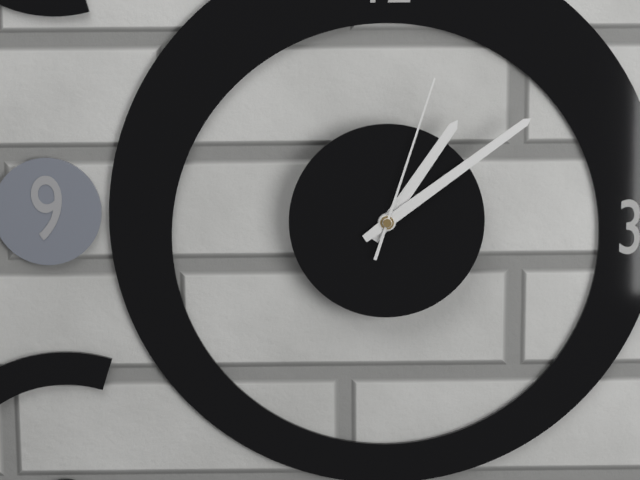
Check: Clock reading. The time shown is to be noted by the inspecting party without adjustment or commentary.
1:09:03
